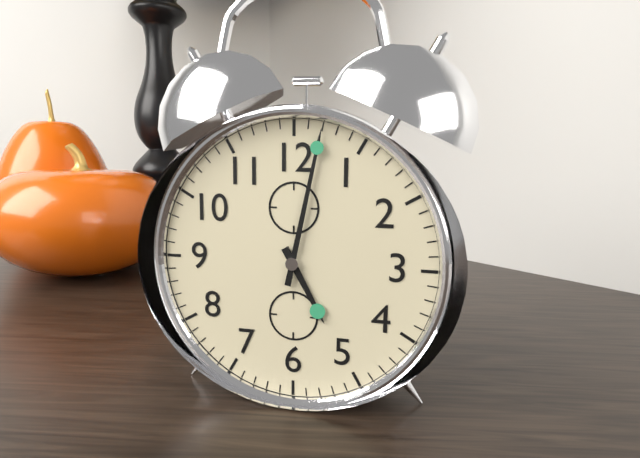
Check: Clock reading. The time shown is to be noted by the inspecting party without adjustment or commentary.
5:02
